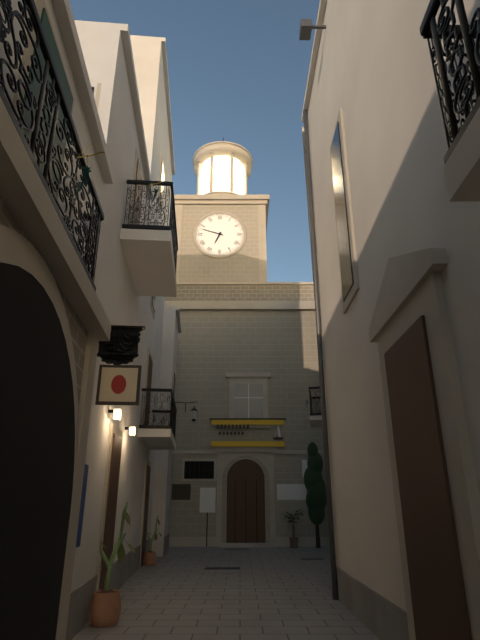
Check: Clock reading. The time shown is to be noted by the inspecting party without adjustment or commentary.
6:48
